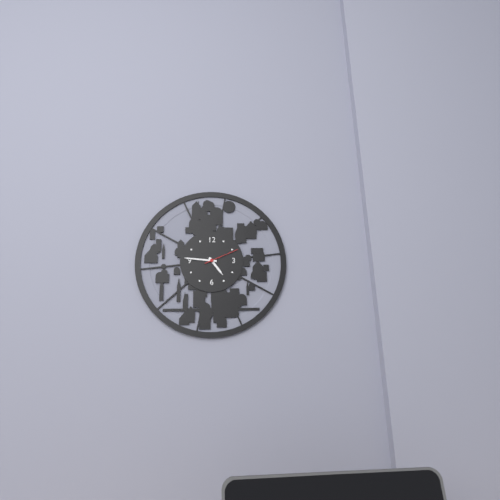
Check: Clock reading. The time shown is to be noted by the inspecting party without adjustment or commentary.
4:46
